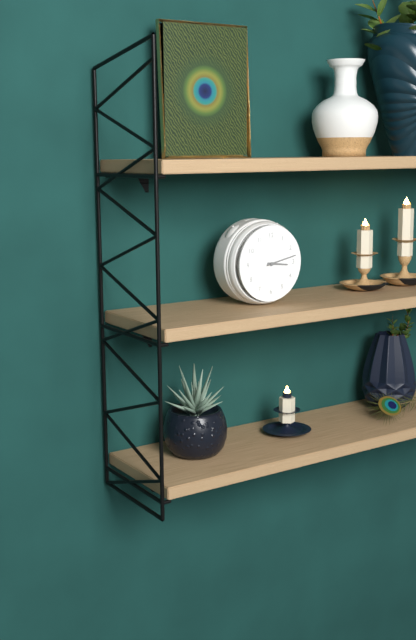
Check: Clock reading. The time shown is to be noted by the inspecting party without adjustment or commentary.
3:13
